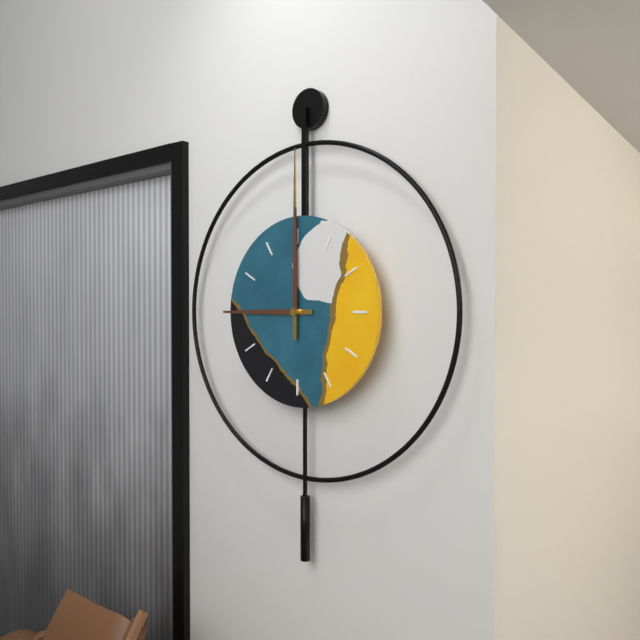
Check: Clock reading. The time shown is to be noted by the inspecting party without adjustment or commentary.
9:00
